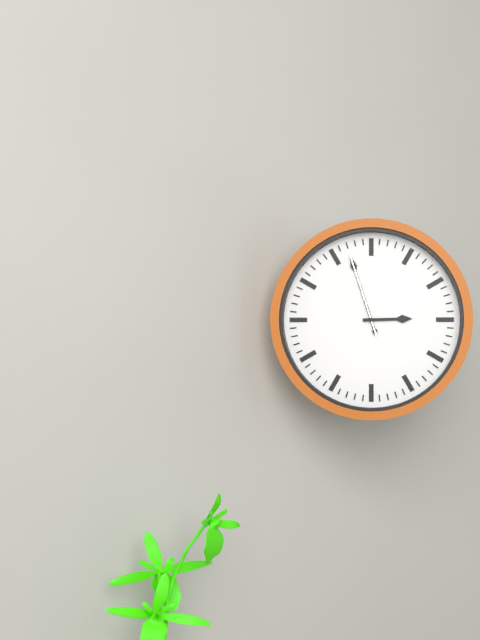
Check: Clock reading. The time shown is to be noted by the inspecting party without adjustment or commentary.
2:57:57
